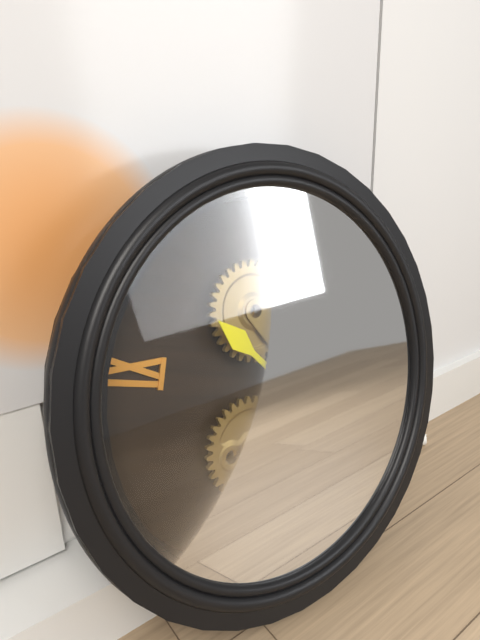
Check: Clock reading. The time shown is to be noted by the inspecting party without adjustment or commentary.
10:04
